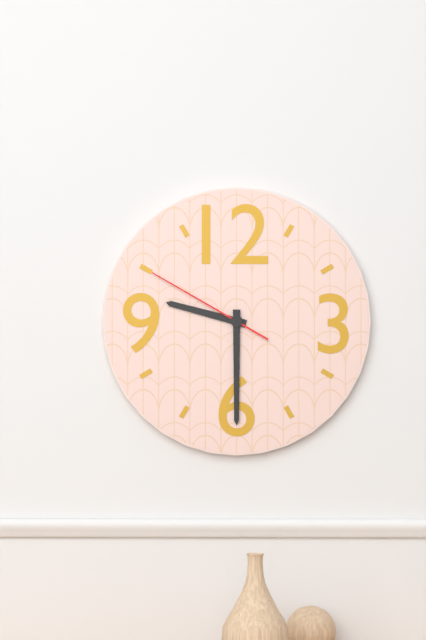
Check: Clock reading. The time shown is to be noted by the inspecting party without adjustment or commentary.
9:30:50
